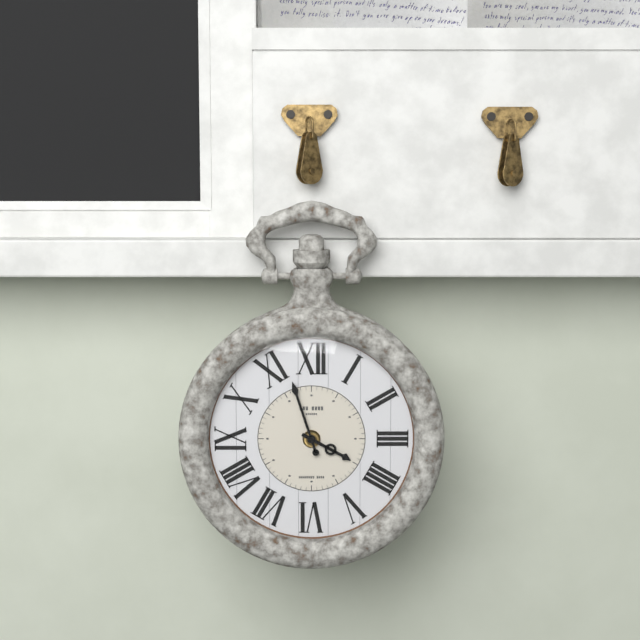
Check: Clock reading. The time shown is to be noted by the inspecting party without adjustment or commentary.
3:57
